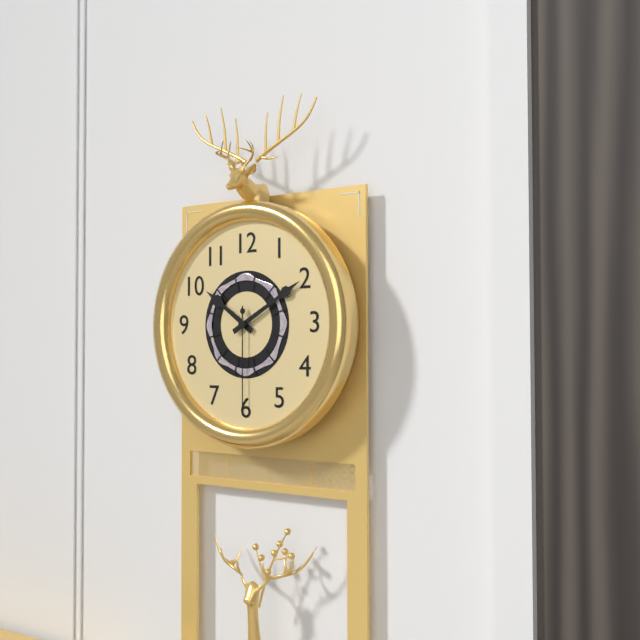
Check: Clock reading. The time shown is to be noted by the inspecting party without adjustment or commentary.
10:10:30
